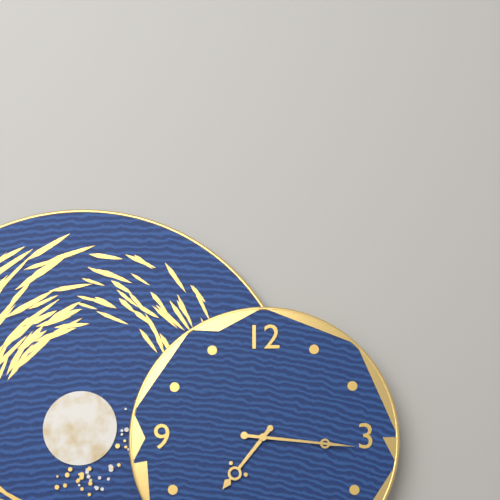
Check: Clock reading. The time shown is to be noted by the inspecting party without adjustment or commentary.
7:16
